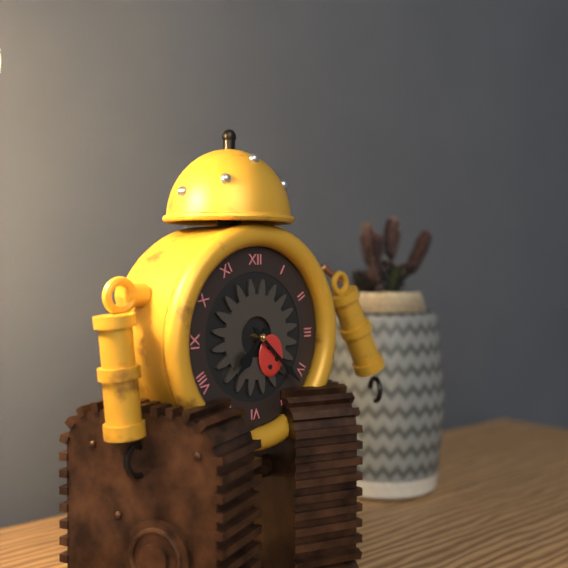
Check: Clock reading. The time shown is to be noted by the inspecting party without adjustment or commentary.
7:22
